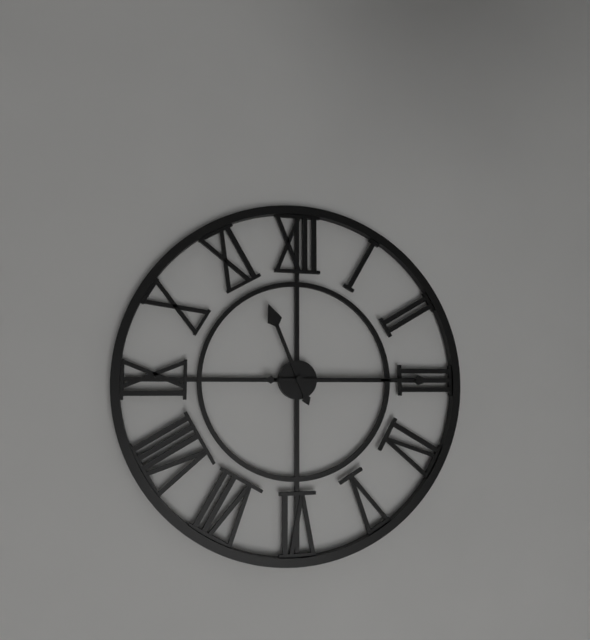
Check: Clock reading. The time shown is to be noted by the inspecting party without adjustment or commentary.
11:15
